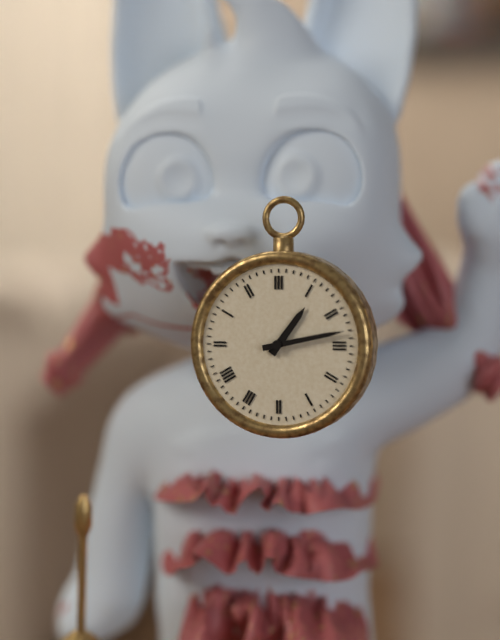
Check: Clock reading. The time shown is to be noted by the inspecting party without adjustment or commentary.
1:13
